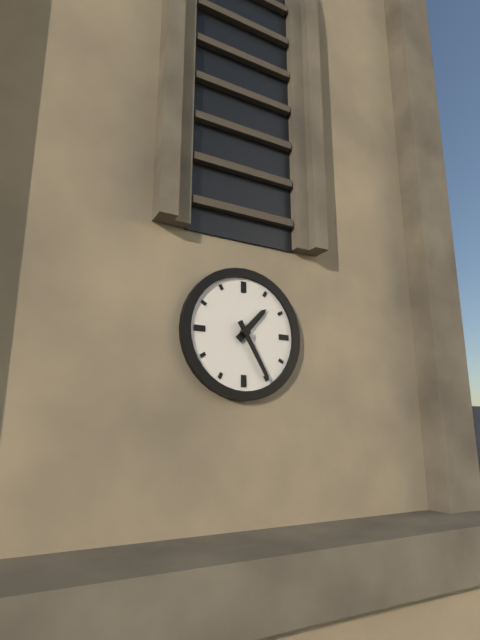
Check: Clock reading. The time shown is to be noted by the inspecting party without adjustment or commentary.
1:25
